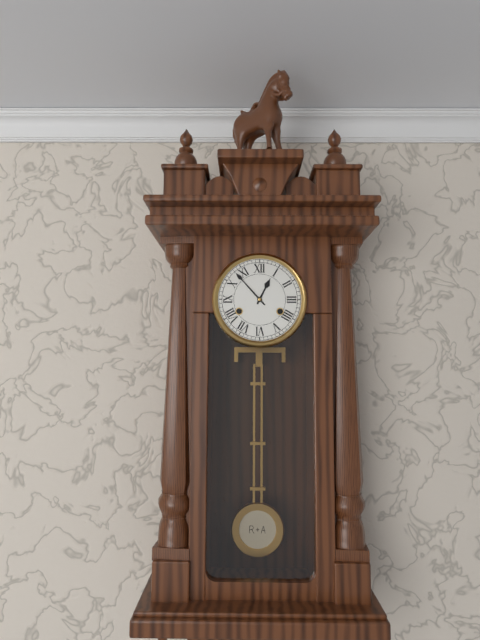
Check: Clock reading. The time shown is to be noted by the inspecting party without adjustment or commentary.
12:53
